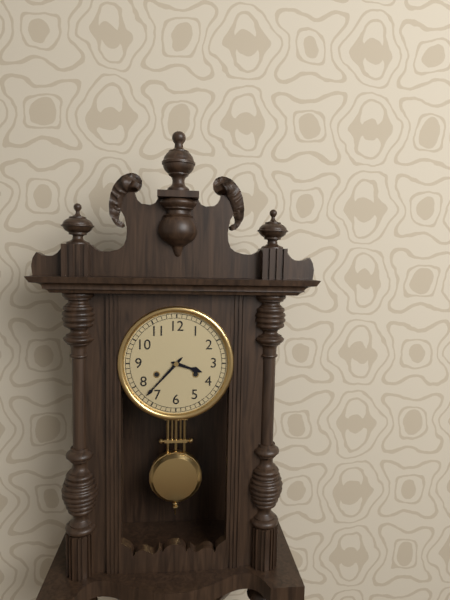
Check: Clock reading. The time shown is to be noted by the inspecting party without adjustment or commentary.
3:37
